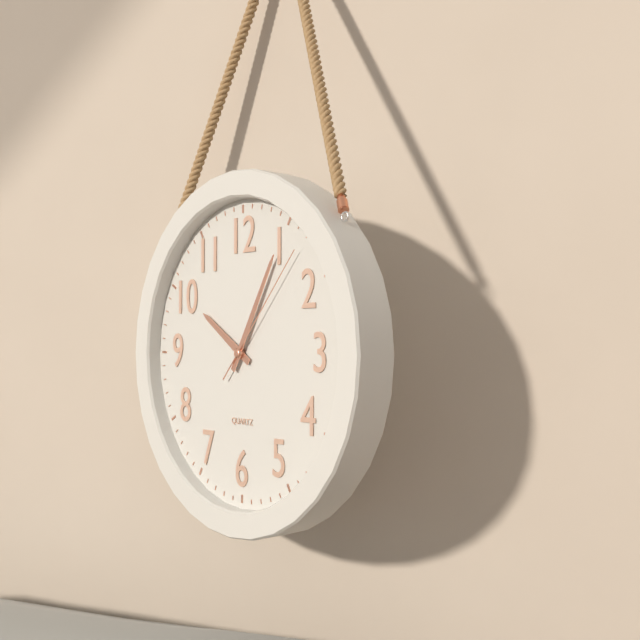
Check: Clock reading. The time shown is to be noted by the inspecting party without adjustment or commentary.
10:05:07
